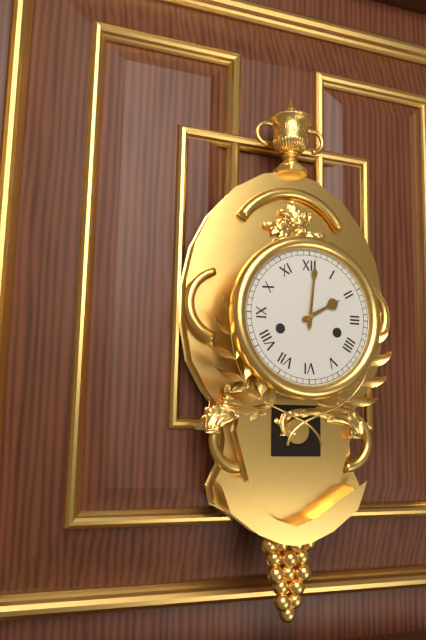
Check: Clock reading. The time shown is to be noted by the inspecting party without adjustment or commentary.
2:01
